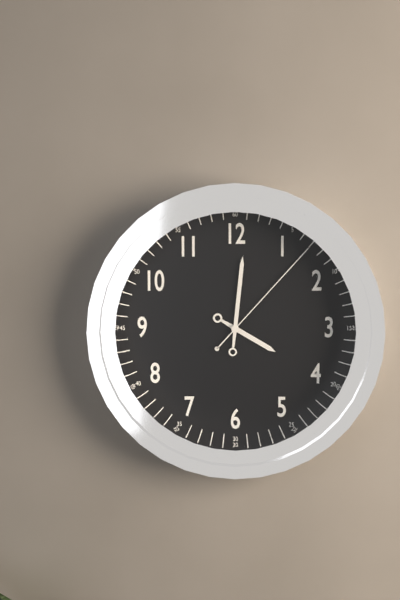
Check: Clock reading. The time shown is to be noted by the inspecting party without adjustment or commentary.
4:01:07
